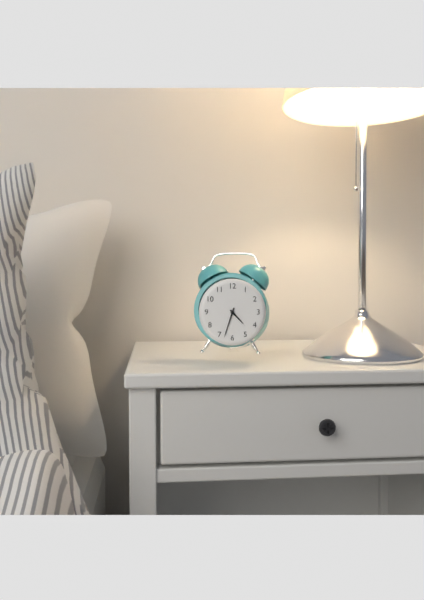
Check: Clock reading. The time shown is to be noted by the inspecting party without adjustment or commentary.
4:33
